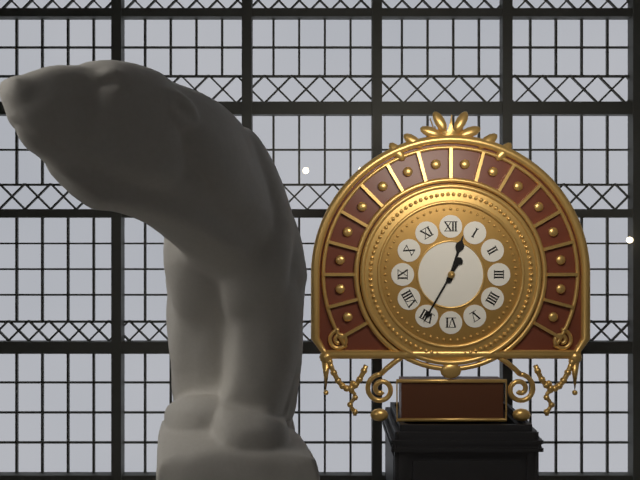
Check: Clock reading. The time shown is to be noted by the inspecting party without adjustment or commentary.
12:35
